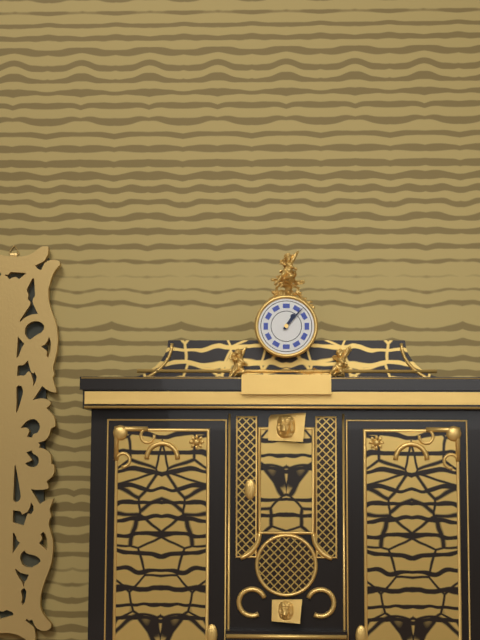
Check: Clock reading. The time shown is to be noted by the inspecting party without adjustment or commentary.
1:07
